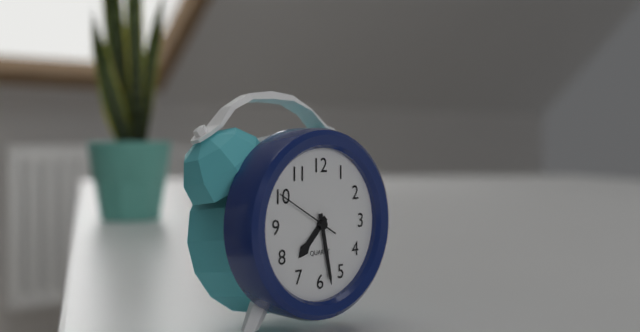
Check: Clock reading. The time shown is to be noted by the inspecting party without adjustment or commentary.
7:28:50
